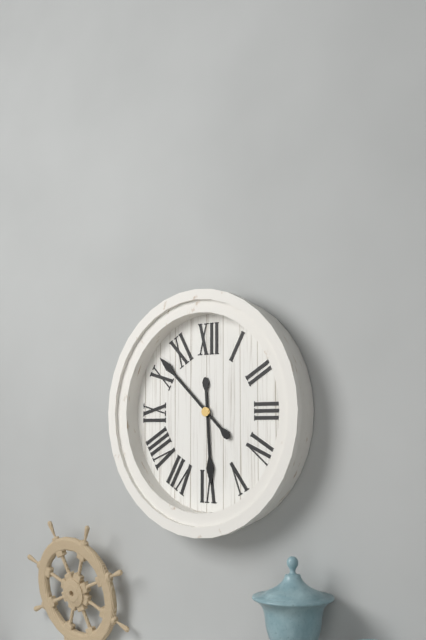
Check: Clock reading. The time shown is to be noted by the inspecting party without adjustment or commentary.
5:52
